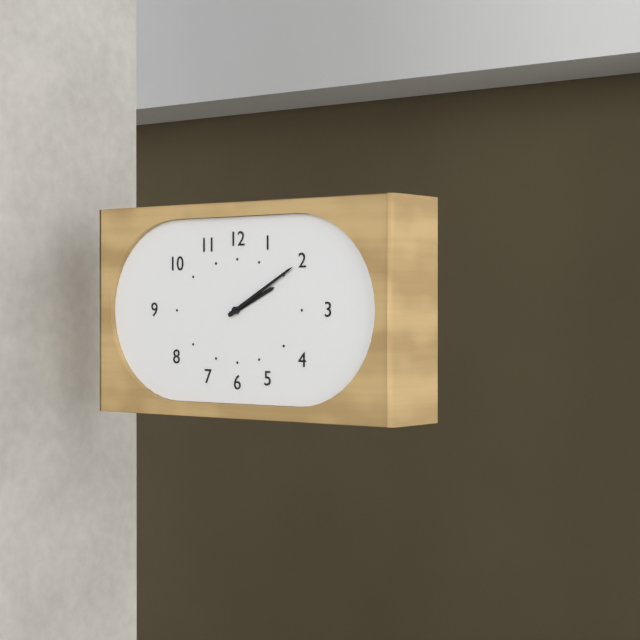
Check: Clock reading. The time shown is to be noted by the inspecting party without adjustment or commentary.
2:10
